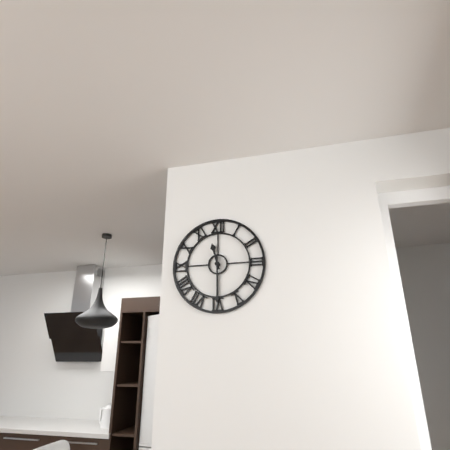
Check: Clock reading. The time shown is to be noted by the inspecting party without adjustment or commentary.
11:30
